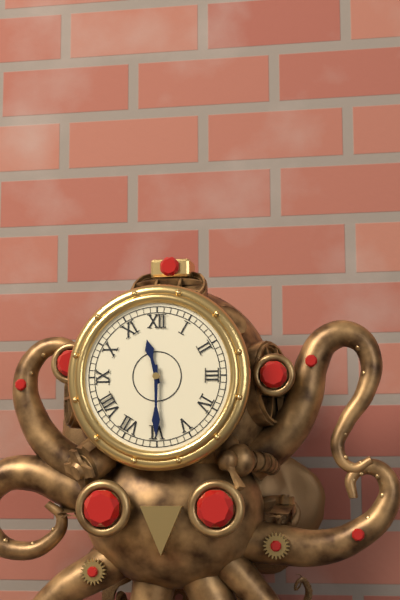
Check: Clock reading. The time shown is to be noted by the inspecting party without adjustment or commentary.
11:30
